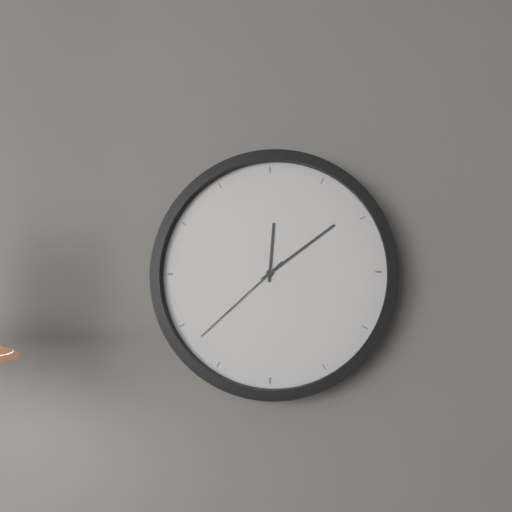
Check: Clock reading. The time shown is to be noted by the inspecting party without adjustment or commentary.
12:09:38
